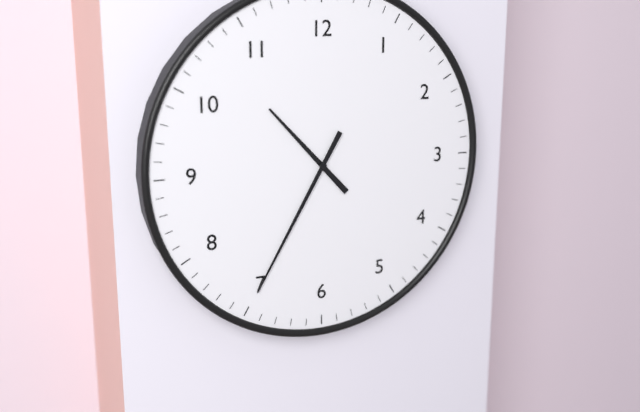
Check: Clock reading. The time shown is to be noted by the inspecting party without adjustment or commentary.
10:35
